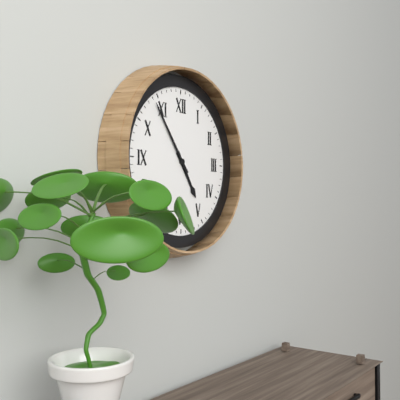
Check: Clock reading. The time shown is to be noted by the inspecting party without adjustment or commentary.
4:54
